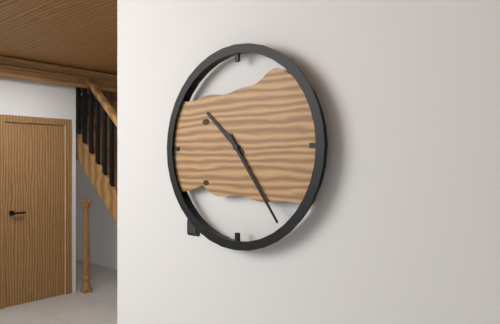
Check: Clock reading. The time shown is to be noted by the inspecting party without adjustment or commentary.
10:24
